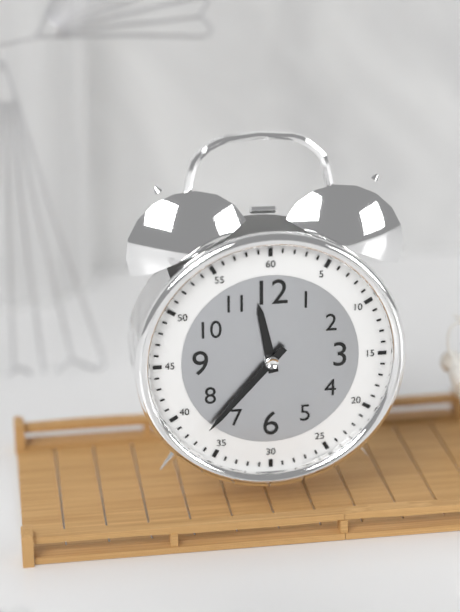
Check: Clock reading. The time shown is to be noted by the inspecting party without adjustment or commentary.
11:37
